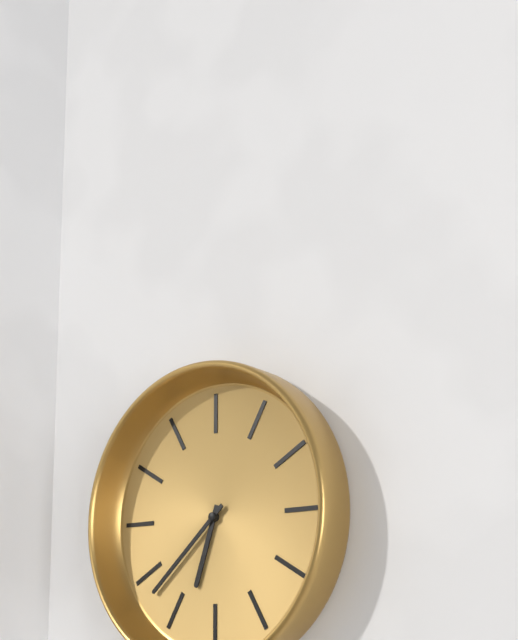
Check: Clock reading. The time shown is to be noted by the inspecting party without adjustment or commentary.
6:38
